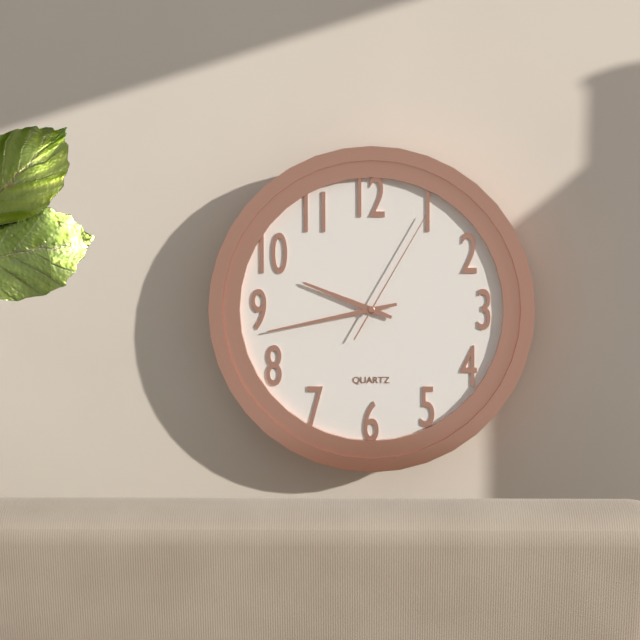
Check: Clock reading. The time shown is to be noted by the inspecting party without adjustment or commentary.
9:43:05
